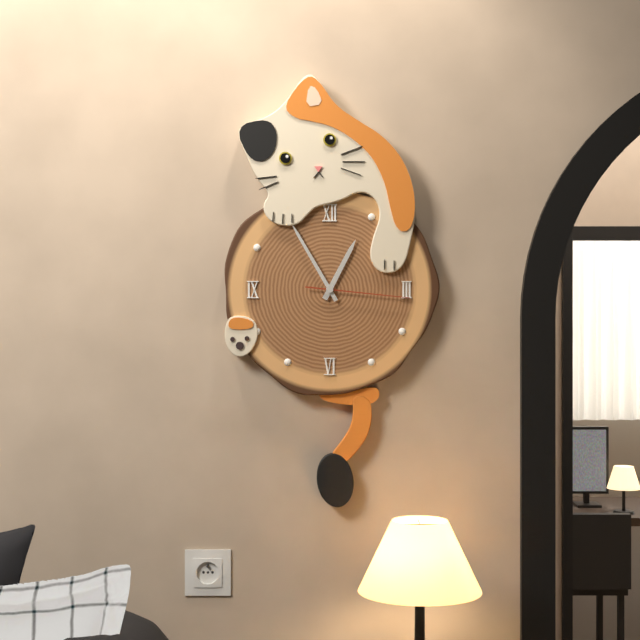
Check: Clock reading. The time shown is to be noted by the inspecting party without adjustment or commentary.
12:55:16
